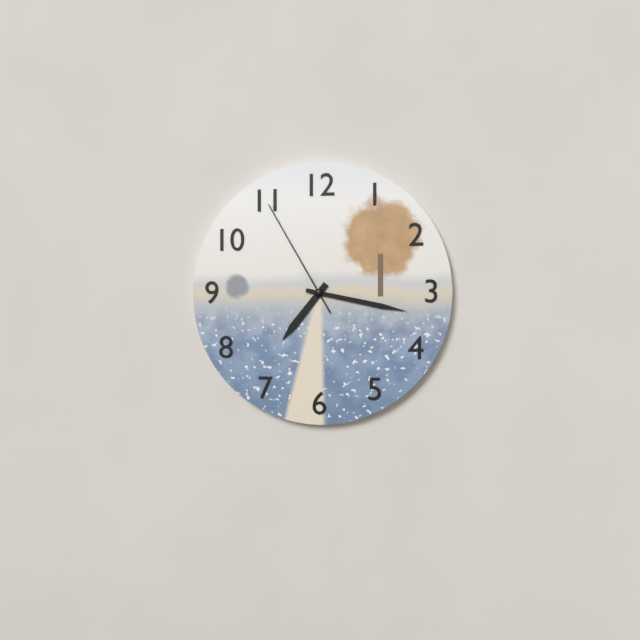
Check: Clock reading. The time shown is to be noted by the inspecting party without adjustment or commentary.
7:17:55
